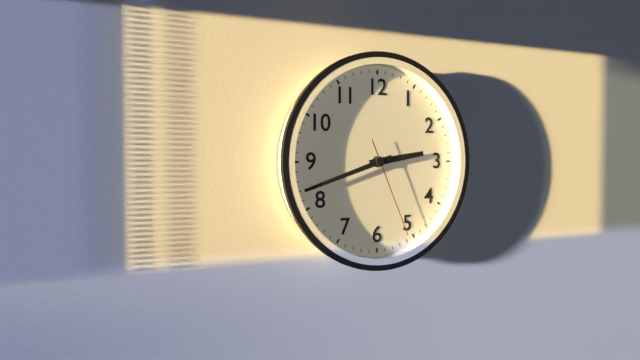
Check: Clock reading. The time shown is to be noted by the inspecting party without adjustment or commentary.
2:42:26
